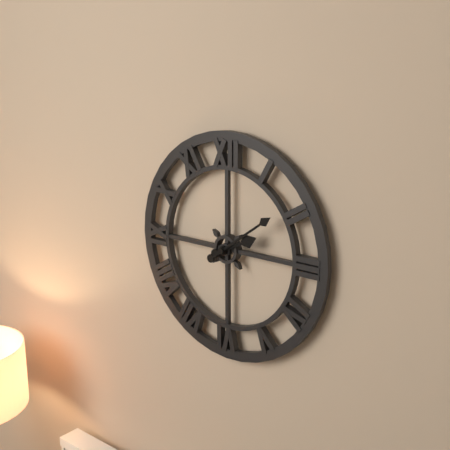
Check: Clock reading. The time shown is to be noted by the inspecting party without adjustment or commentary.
2:09
